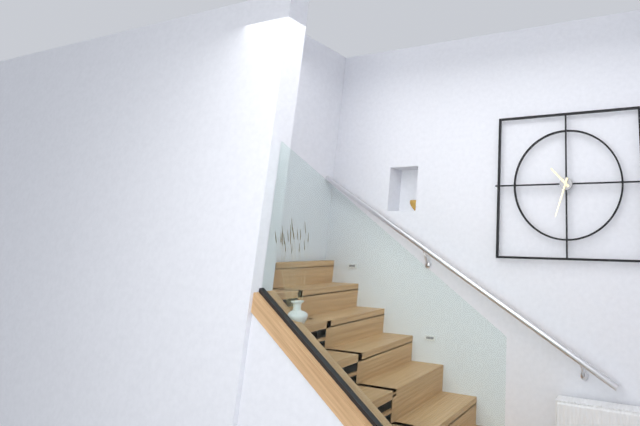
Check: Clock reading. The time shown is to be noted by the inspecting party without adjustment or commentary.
10:33
